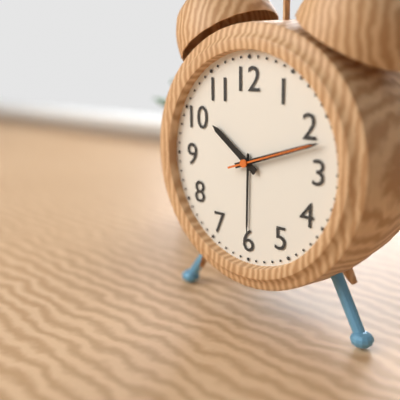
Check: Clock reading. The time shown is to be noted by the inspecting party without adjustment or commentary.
10:12:12
